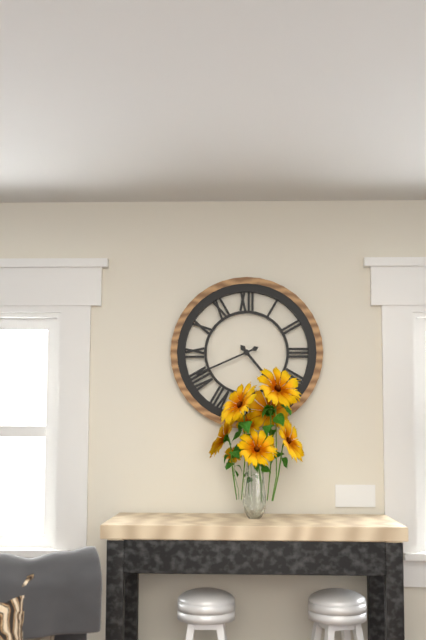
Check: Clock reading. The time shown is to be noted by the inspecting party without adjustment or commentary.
4:41
